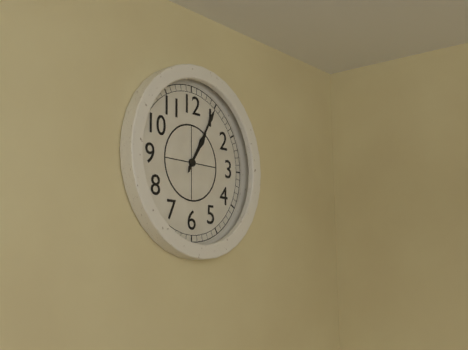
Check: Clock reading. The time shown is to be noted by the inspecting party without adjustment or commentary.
1:05
